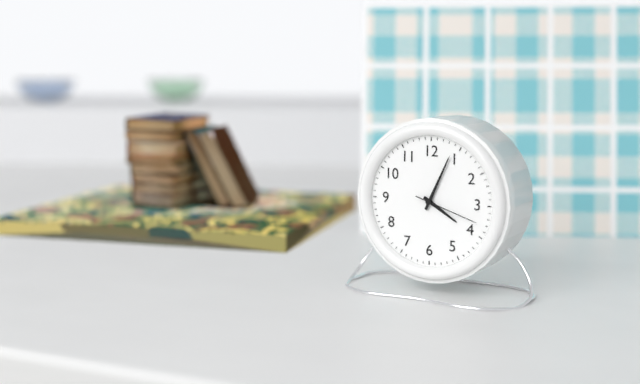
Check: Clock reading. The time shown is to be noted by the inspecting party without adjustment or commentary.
4:04:18
